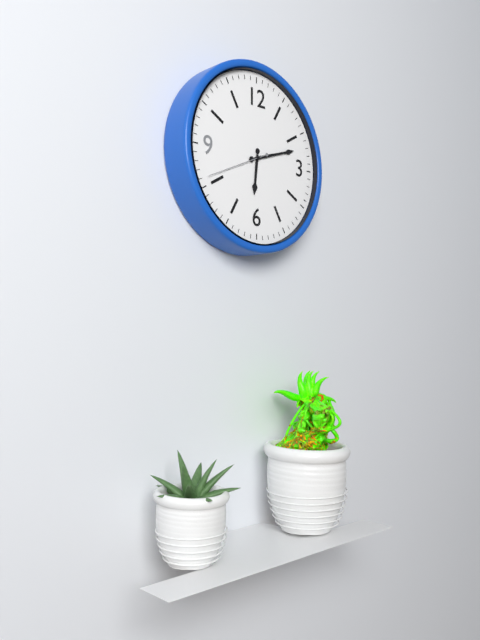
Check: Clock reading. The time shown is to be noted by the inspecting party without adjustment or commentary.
6:12:41
